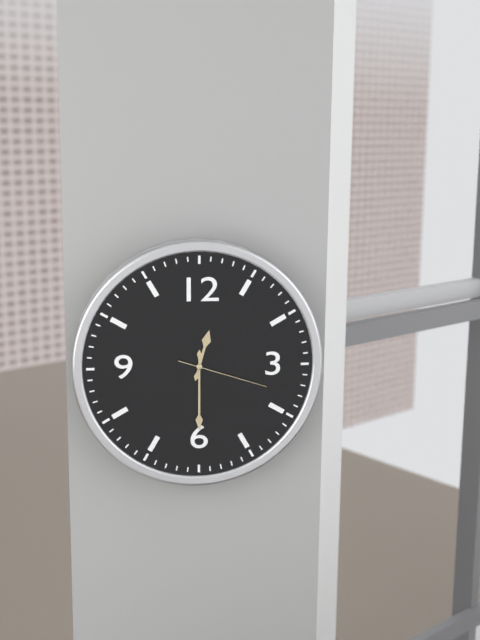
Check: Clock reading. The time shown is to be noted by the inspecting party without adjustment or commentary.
12:30:18
